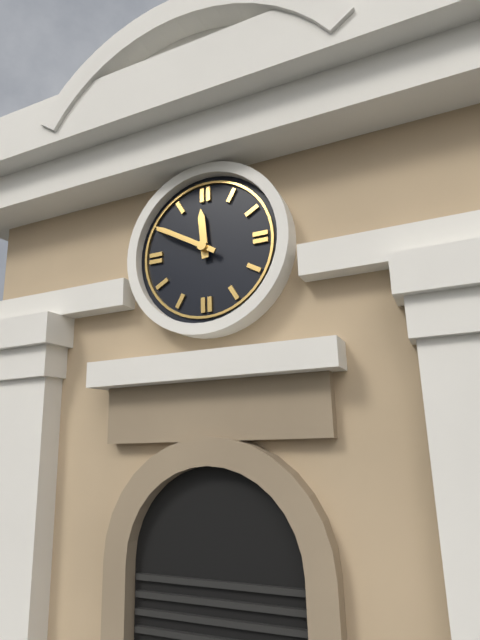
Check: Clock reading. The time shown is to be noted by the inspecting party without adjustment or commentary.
11:50
